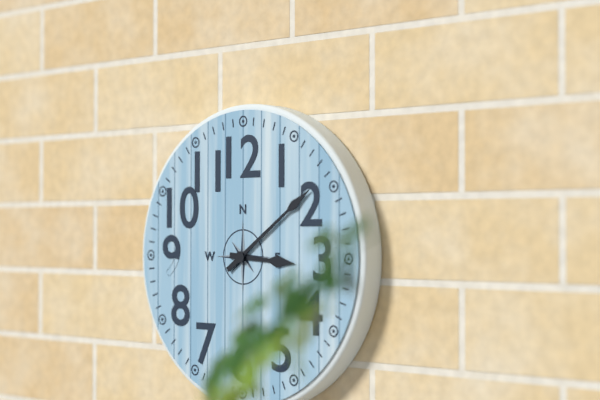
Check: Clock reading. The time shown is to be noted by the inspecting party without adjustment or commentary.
3:09
